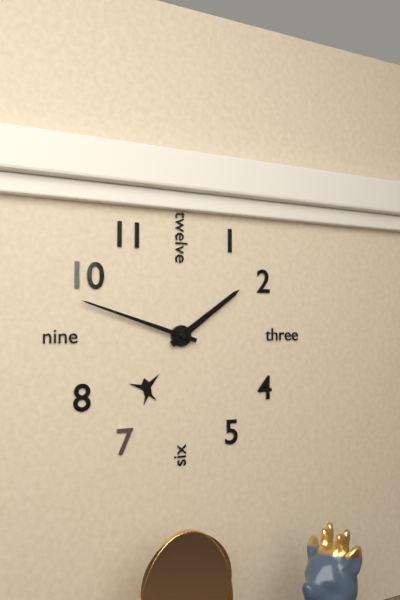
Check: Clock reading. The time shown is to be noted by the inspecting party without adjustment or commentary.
1:48
